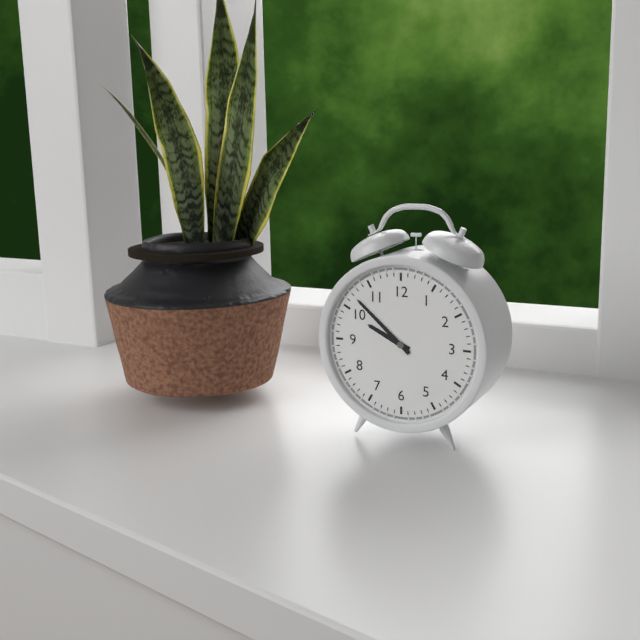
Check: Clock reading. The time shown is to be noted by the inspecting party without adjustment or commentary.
9:52
